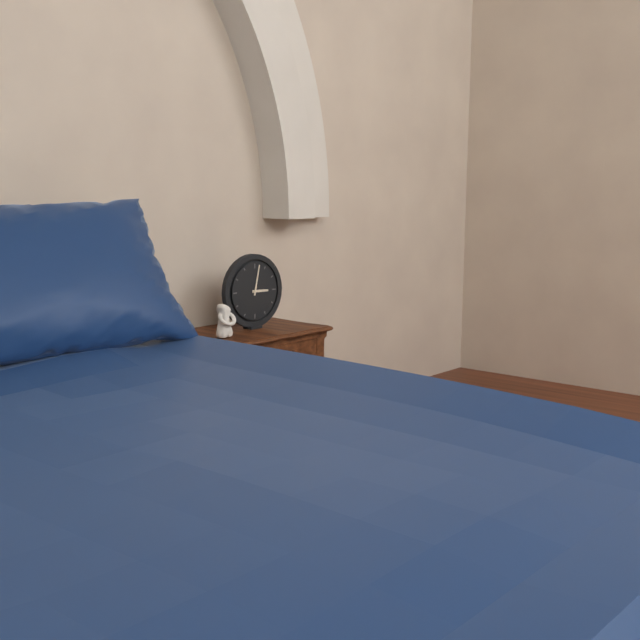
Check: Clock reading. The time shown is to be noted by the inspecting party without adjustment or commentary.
3:02
